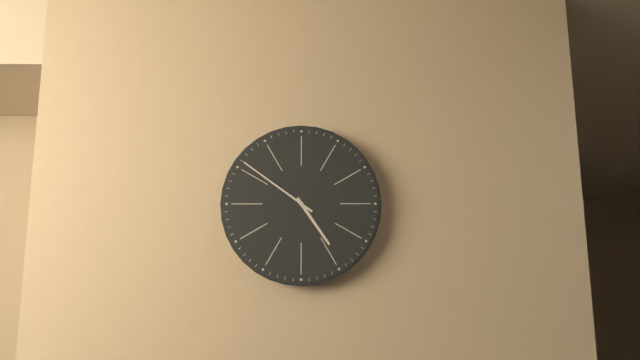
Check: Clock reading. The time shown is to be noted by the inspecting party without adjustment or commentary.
4:51
